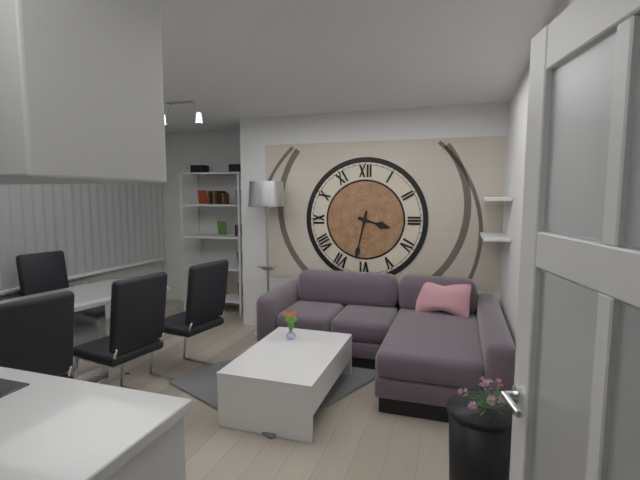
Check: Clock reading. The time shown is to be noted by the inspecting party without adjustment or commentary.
3:32
